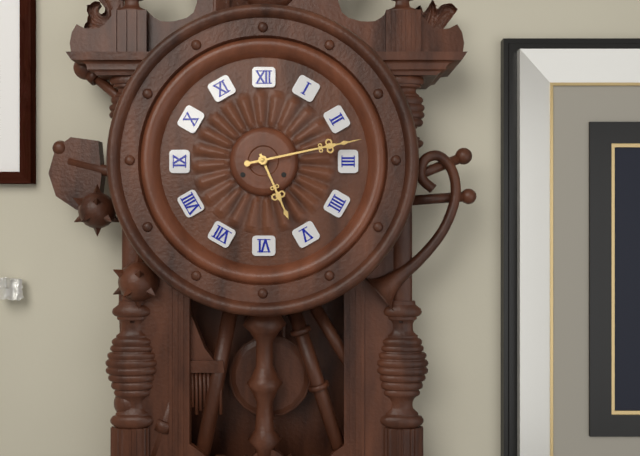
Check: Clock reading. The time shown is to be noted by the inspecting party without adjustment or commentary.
5:13
